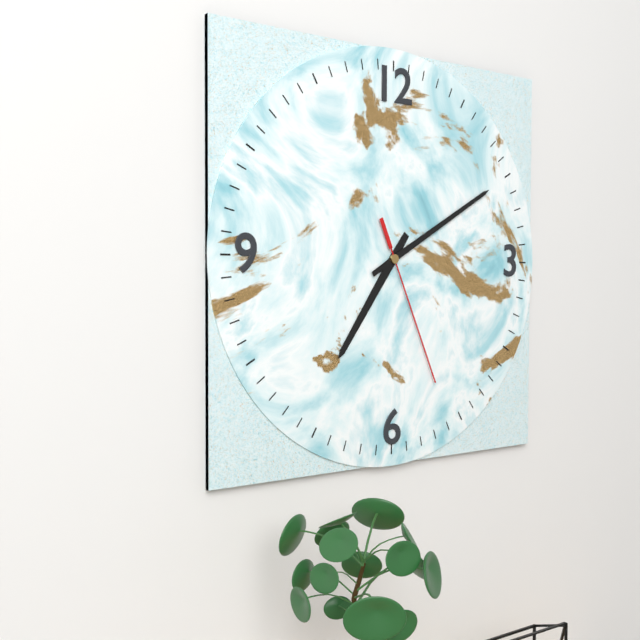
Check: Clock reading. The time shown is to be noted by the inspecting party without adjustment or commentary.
7:10:26
